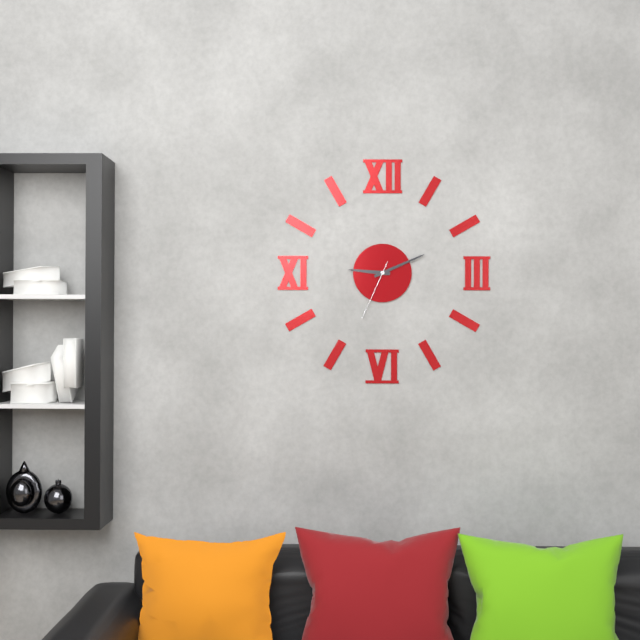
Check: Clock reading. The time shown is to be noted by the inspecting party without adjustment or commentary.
9:11:34
